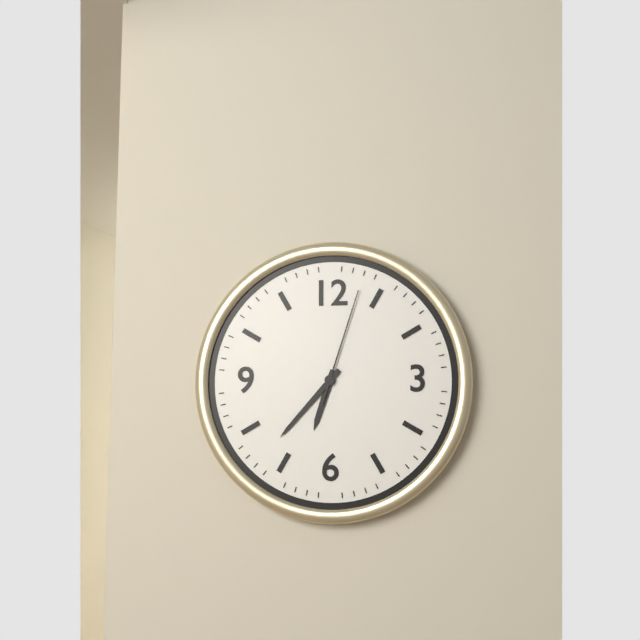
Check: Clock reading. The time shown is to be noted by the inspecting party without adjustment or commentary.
6:37:03
